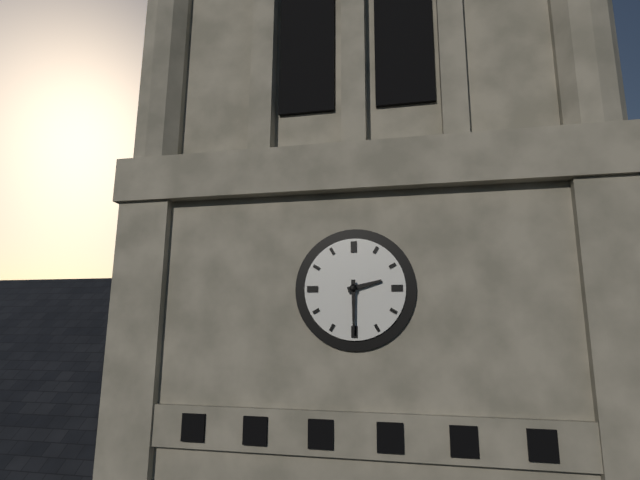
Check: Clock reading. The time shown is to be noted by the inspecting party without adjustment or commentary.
2:30
